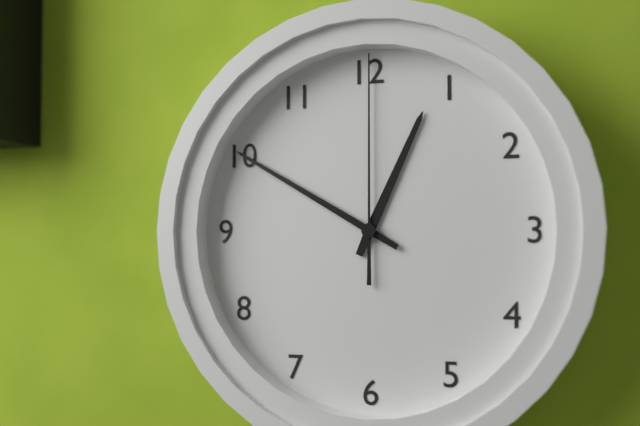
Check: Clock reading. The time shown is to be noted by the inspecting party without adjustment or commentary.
12:50:00
